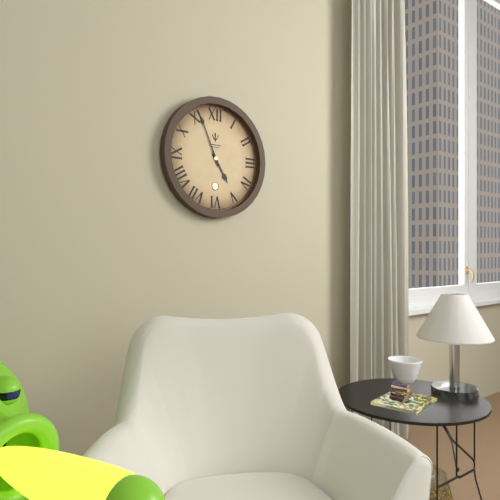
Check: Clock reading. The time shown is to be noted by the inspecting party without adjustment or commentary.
4:56
